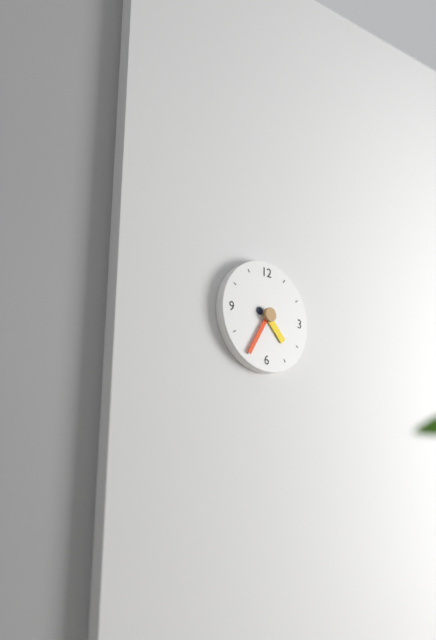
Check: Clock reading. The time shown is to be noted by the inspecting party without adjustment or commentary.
4:35
